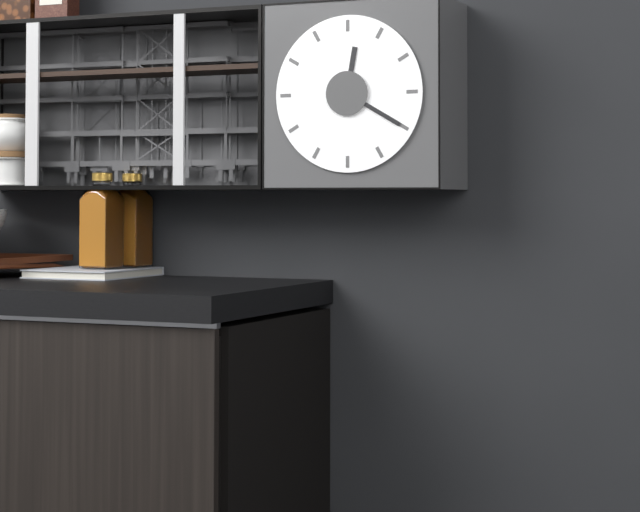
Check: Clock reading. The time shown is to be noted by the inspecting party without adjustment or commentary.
12:20
